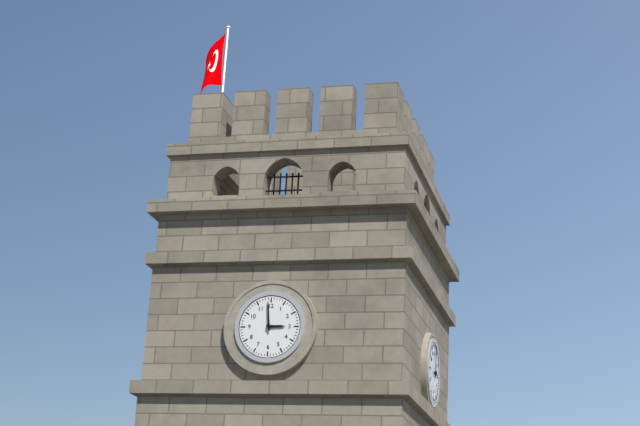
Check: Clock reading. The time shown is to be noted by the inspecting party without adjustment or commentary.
2:59
